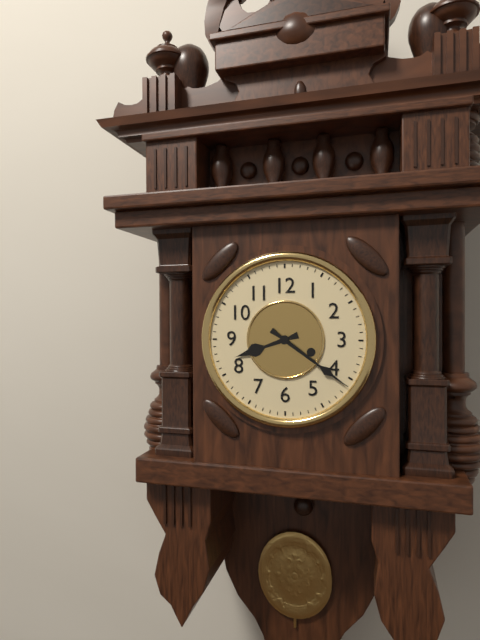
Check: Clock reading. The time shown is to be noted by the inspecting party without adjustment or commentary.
8:21
